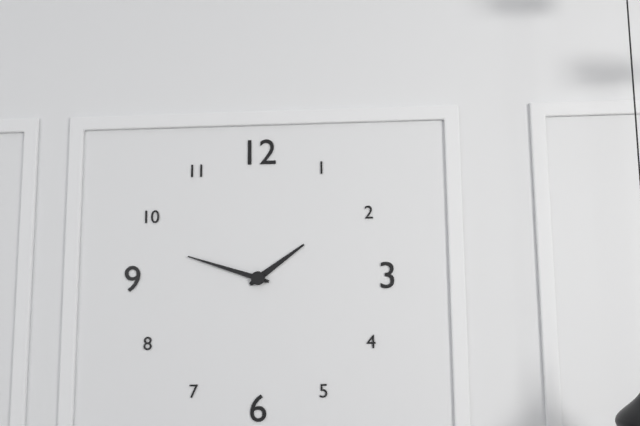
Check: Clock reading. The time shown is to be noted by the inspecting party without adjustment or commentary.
1:48
